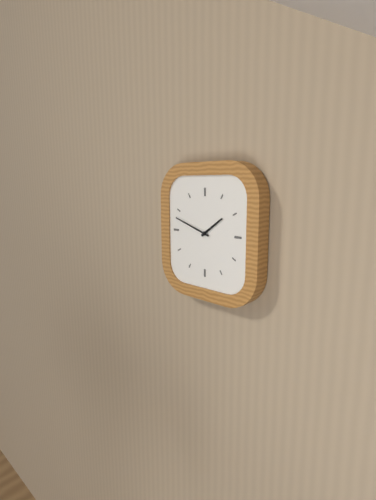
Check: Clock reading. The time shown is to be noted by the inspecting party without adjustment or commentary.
1:48
